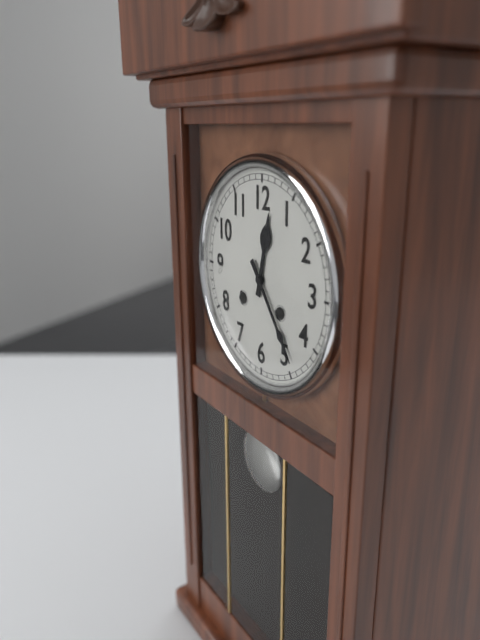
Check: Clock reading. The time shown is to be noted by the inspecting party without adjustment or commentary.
12:24
